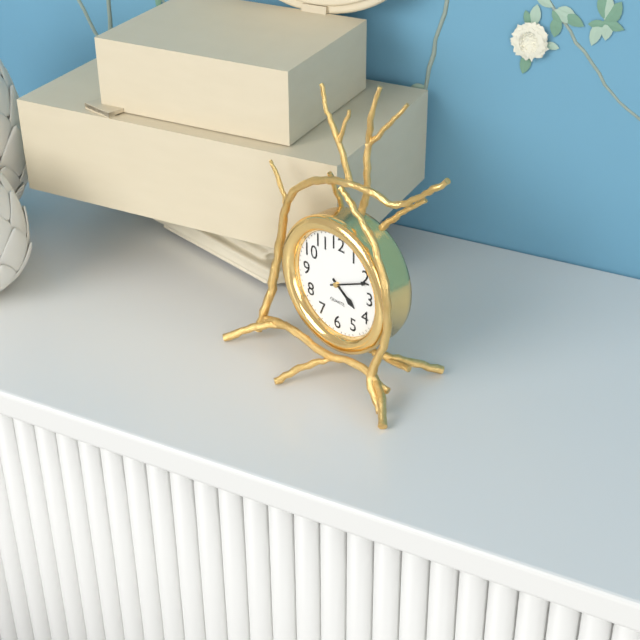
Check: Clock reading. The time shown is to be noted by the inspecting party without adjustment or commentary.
4:11
